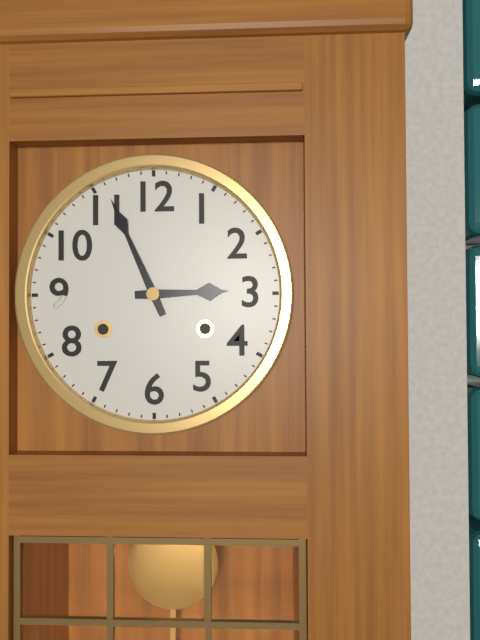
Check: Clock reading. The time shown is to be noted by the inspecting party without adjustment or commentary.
2:56
